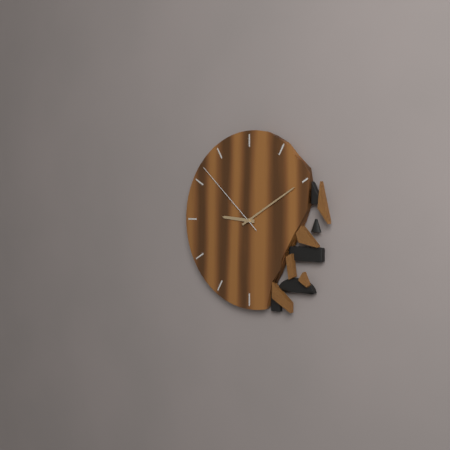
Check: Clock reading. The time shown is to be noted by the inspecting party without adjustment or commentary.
9:10:52
